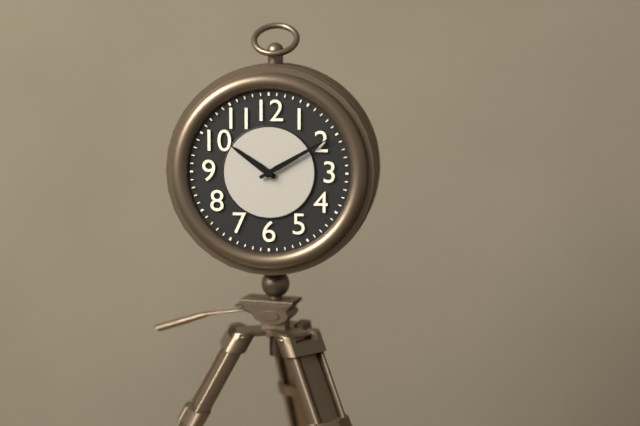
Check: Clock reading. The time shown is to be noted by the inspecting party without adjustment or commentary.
10:10
